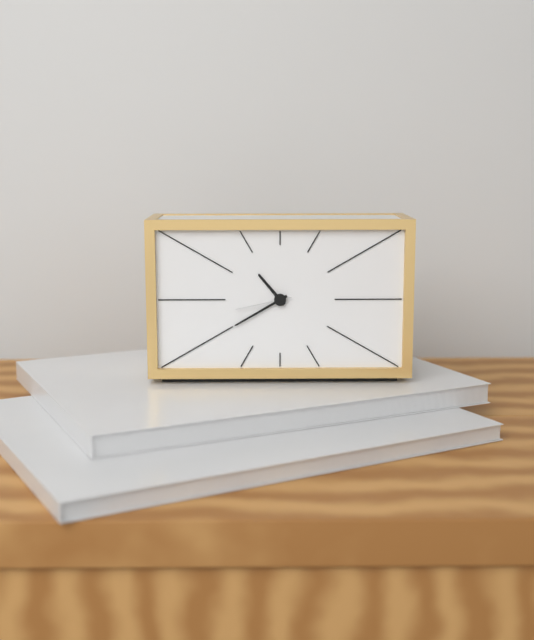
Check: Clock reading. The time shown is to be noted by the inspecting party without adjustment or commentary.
10:40:43
